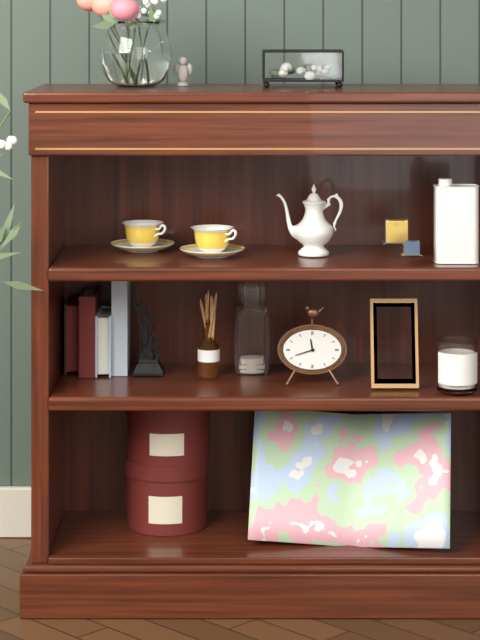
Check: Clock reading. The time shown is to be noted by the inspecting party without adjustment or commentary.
11:42
